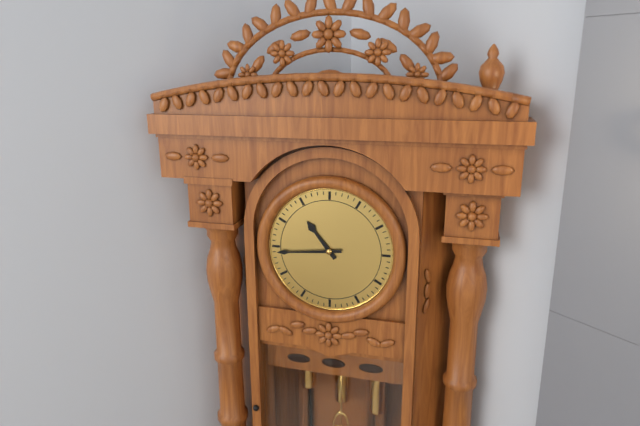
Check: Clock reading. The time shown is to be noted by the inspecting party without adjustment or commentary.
10:44
